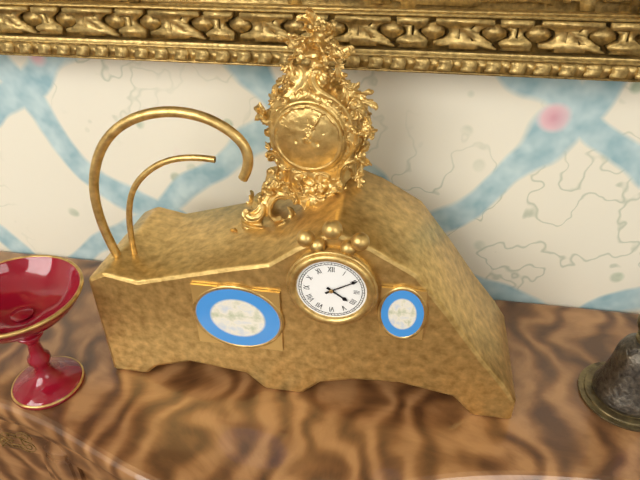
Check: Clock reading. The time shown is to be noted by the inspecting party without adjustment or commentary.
4:10
